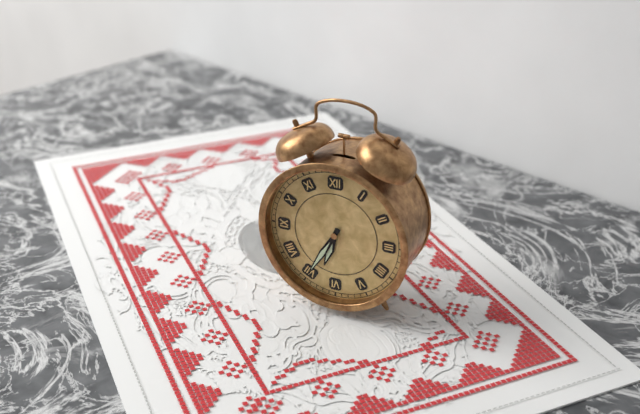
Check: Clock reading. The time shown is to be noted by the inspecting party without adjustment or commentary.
6:35
